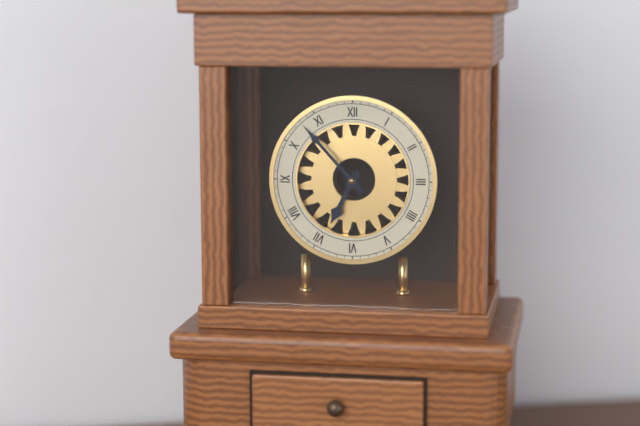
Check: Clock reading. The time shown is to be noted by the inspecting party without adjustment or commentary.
6:53
